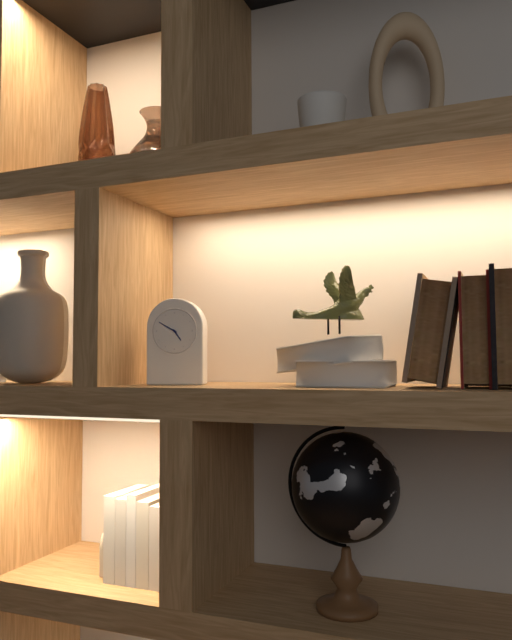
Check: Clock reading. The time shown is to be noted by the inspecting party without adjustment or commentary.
4:50
